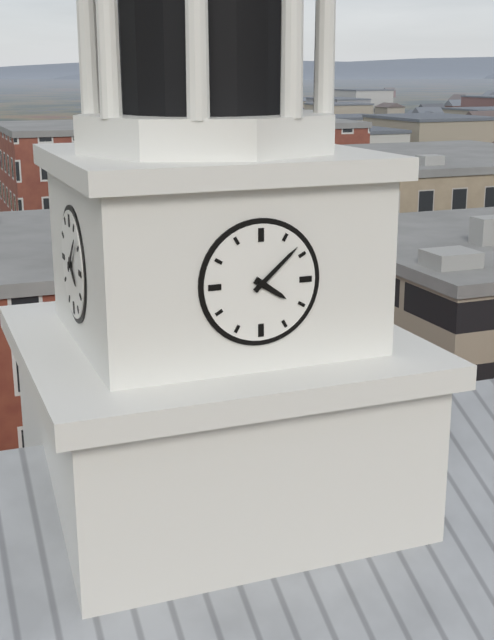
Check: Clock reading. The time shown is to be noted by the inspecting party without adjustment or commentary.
4:08
